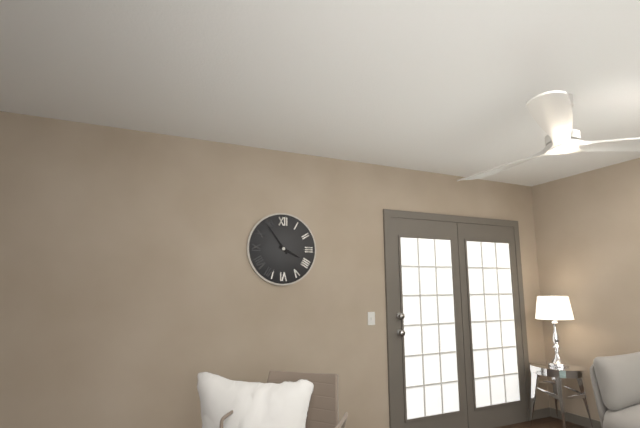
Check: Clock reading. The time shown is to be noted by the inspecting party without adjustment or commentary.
3:54
